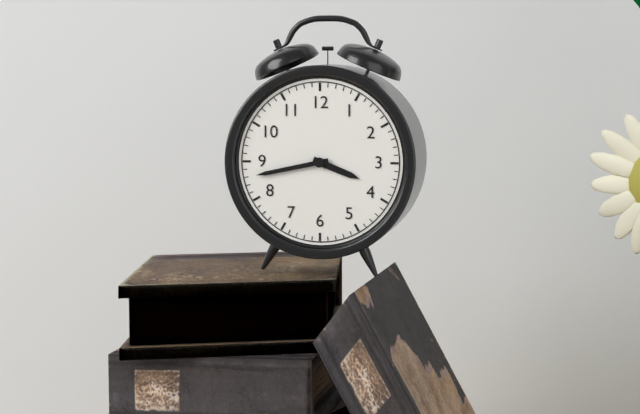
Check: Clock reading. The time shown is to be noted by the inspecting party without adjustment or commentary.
3:43
